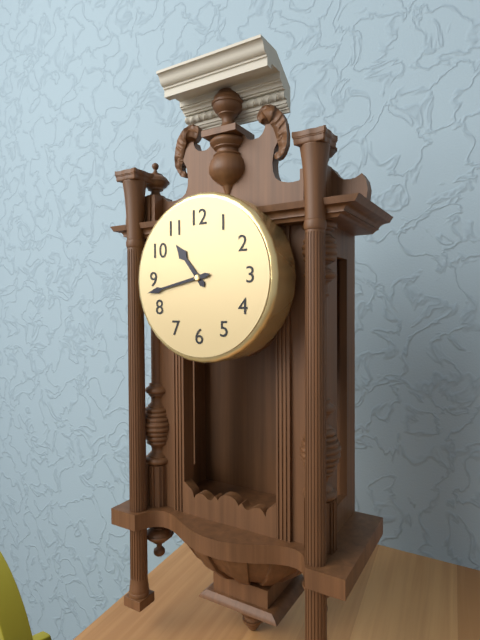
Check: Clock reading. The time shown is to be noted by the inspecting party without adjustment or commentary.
10:43
